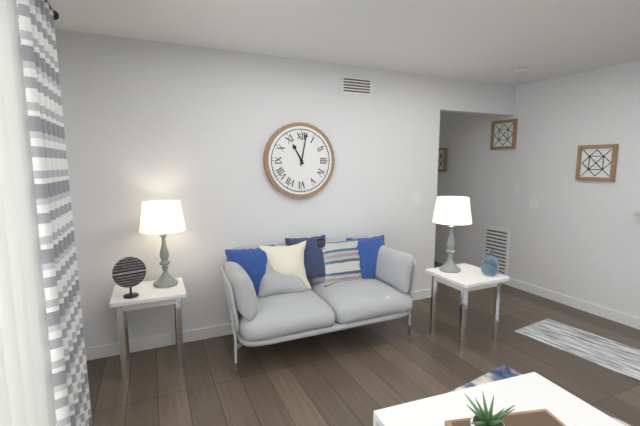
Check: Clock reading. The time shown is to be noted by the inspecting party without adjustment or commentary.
11:02
